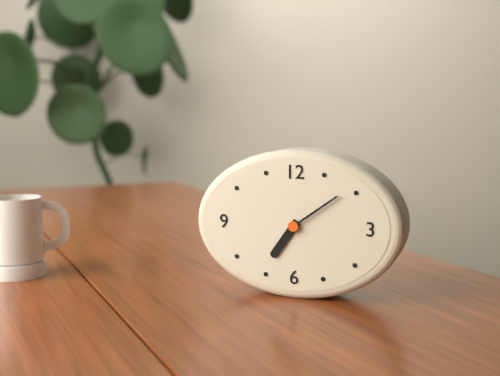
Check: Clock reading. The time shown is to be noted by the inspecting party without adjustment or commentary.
7:09
